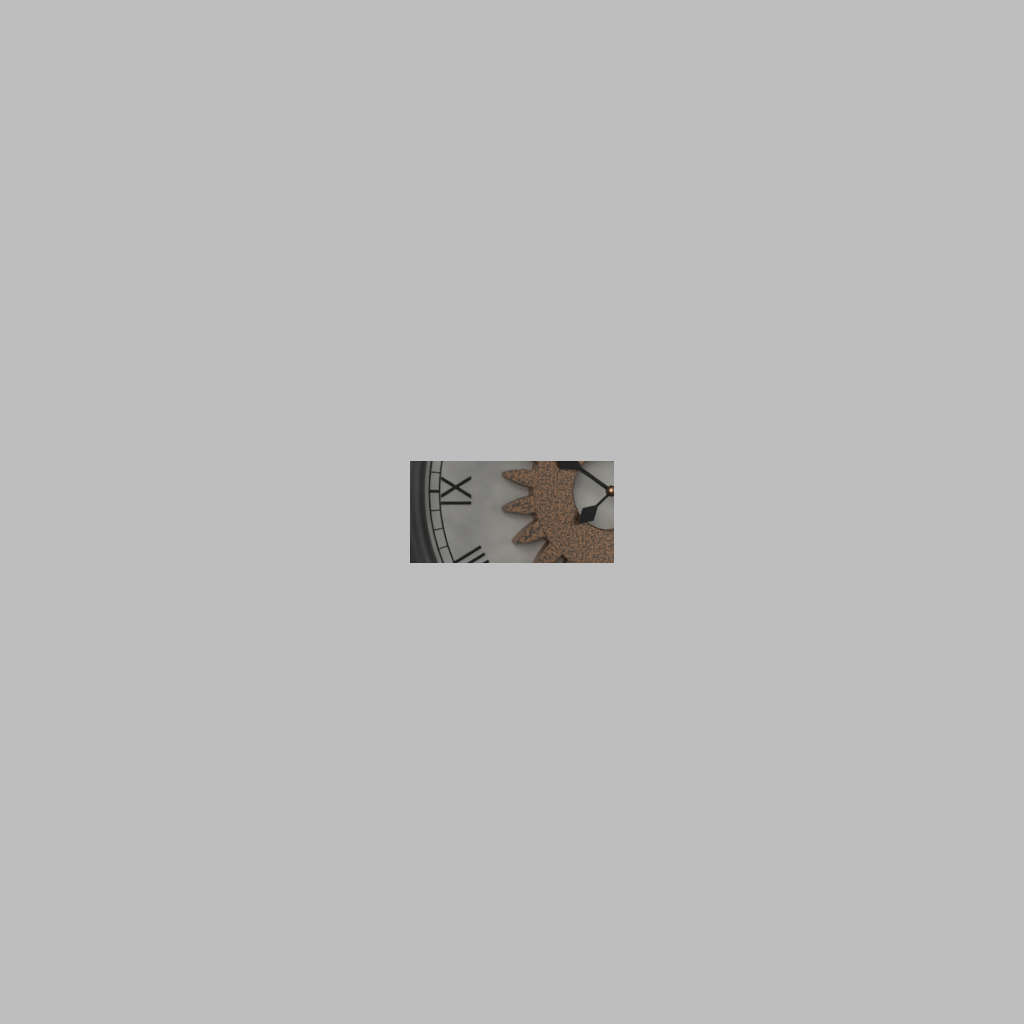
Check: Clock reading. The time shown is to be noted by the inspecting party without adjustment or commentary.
10:08
